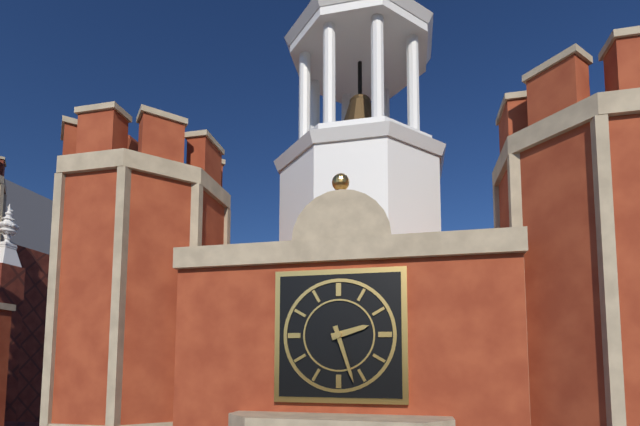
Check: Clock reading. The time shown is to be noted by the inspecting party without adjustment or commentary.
2:27
